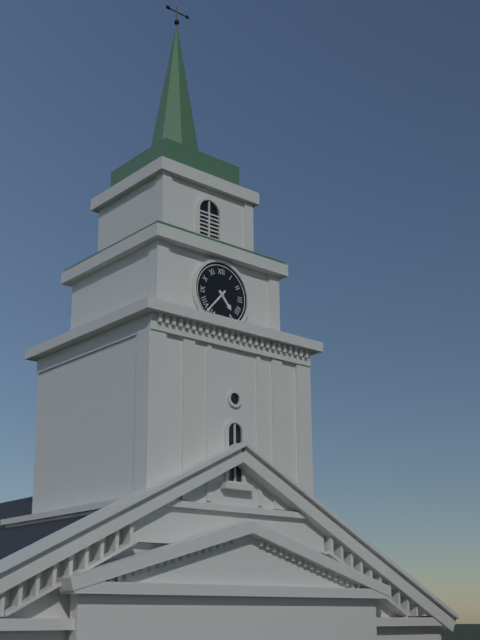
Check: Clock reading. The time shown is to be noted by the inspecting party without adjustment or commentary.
4:37
